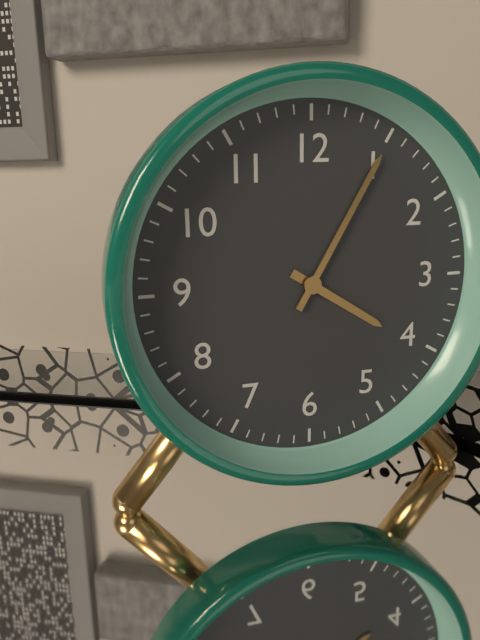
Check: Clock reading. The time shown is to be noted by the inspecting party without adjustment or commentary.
4:05
